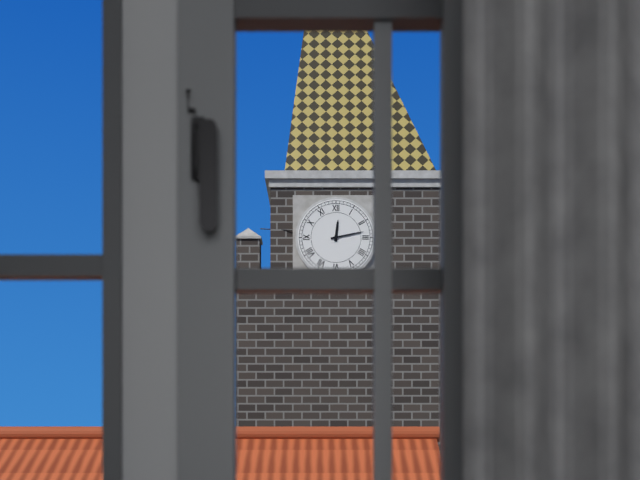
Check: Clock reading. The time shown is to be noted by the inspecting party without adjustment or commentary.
12:13
